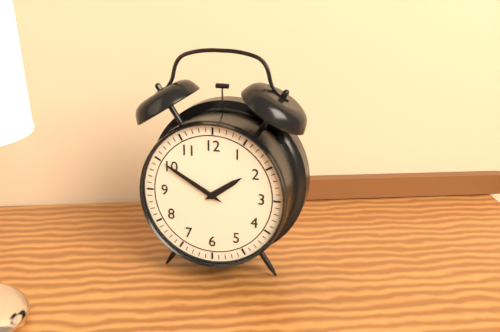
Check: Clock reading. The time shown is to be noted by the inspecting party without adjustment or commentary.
1:50
